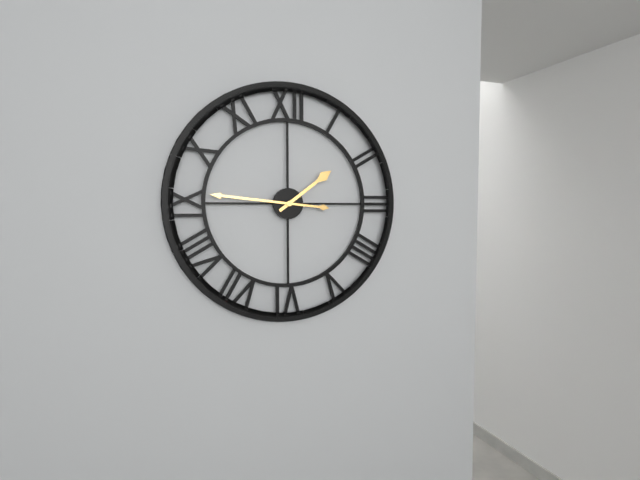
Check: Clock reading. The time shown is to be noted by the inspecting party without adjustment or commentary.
1:46
